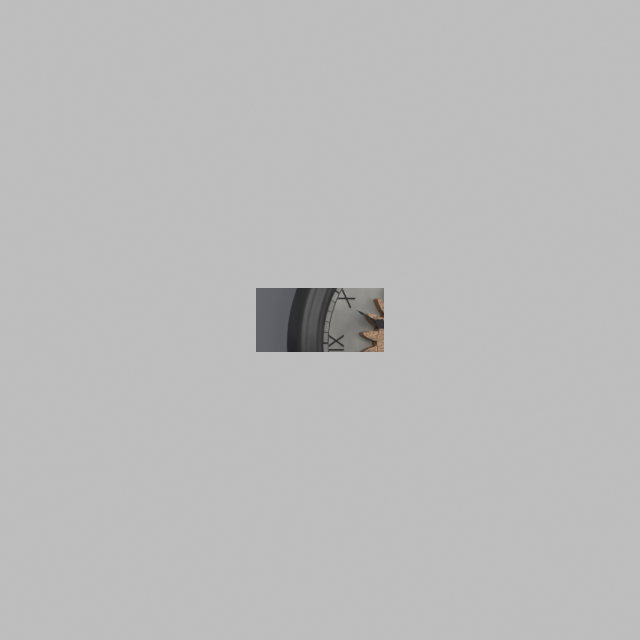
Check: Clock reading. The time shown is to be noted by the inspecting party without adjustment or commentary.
6:49
